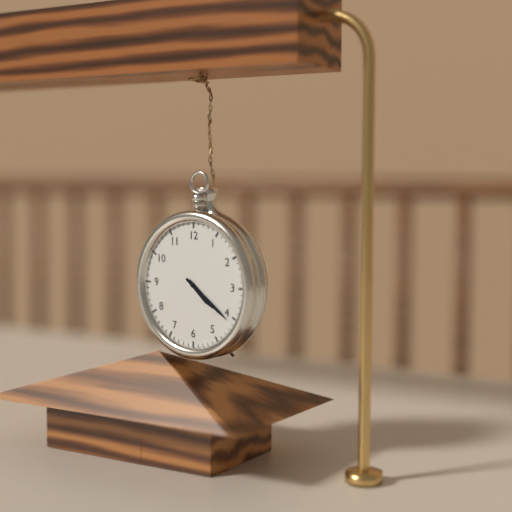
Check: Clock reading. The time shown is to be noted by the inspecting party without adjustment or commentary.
4:21
